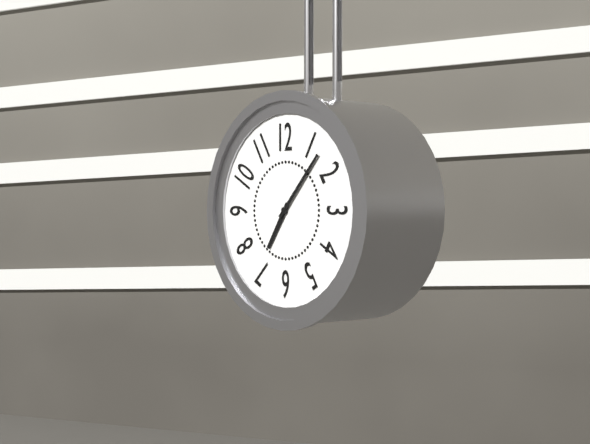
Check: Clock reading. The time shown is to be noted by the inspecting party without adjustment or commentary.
7:07
